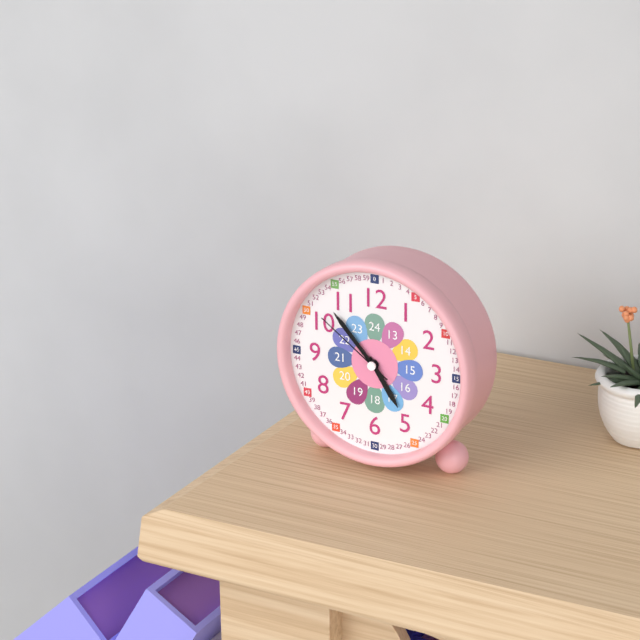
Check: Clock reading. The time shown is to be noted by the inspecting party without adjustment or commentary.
4:53:51
